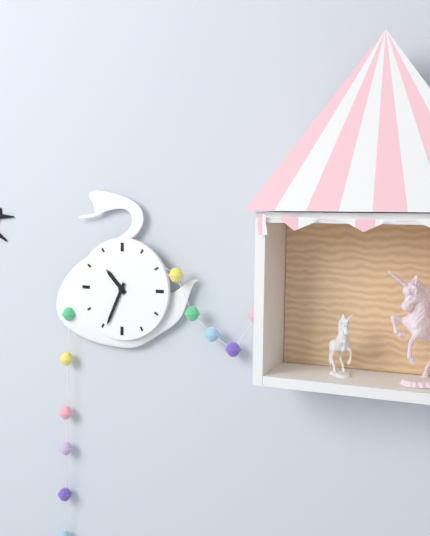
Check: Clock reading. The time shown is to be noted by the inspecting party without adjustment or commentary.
10:34
